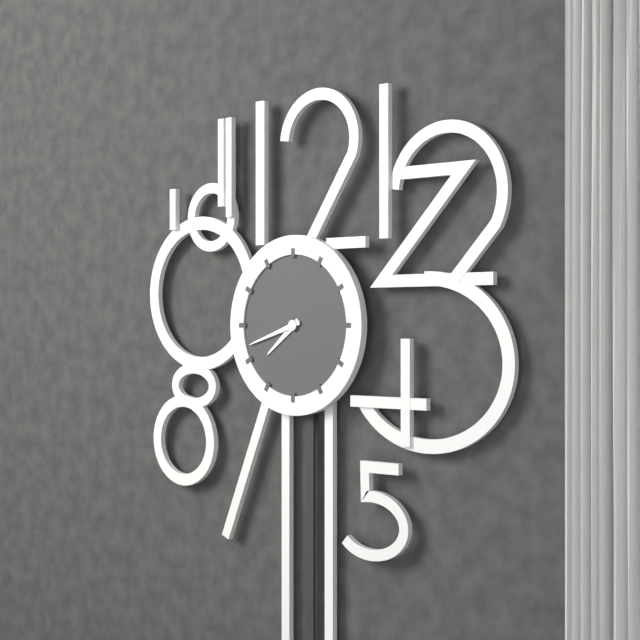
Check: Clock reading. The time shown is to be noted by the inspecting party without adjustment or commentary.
7:42
